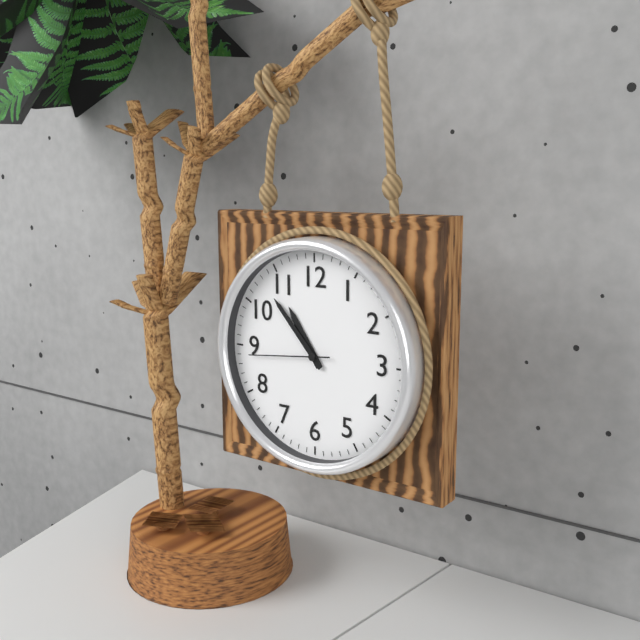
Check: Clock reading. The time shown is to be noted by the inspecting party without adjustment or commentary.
10:53:44
